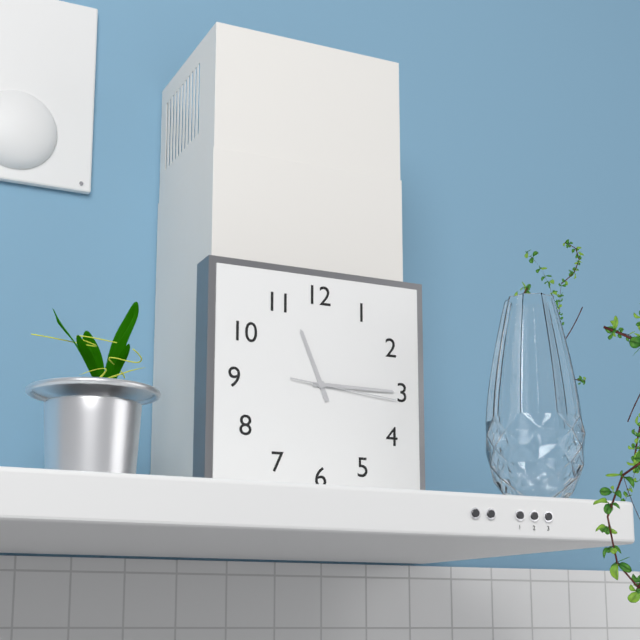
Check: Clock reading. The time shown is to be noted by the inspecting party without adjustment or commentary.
11:15:16
